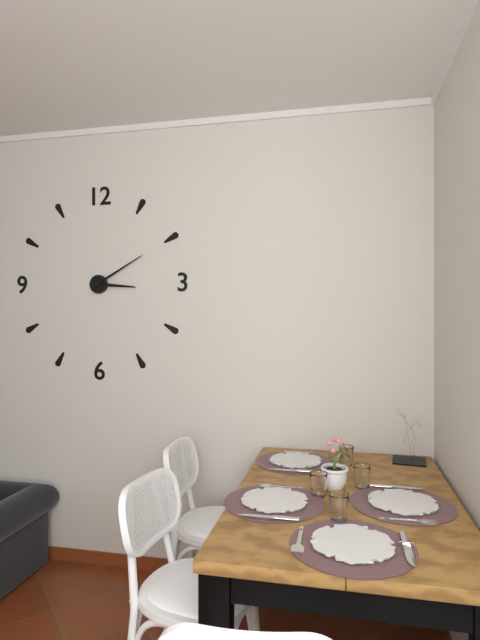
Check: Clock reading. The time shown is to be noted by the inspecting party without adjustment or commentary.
3:10
